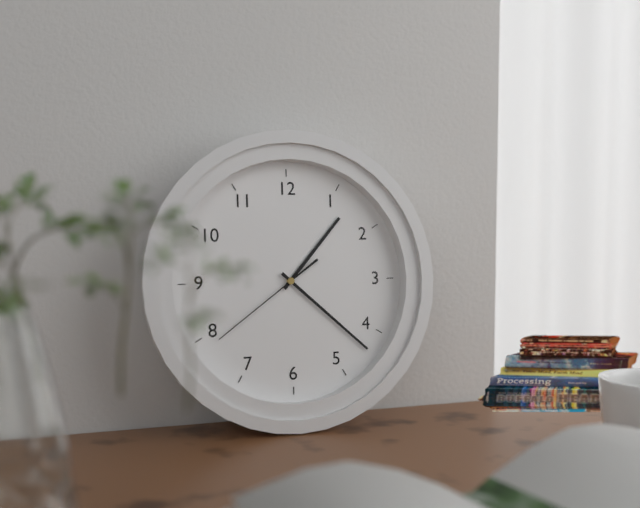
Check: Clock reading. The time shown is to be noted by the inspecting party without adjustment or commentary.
1:22:39
